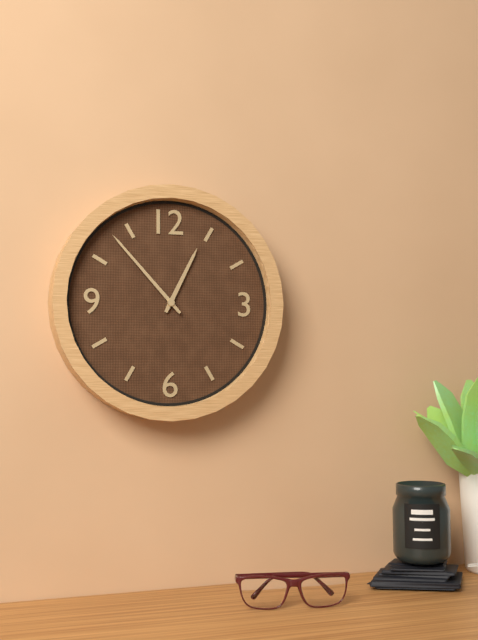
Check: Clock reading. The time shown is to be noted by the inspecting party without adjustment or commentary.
12:53
